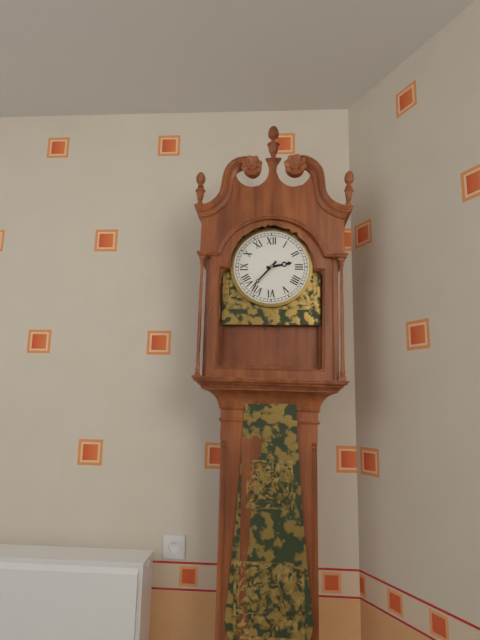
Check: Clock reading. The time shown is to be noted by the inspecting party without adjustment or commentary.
2:37
